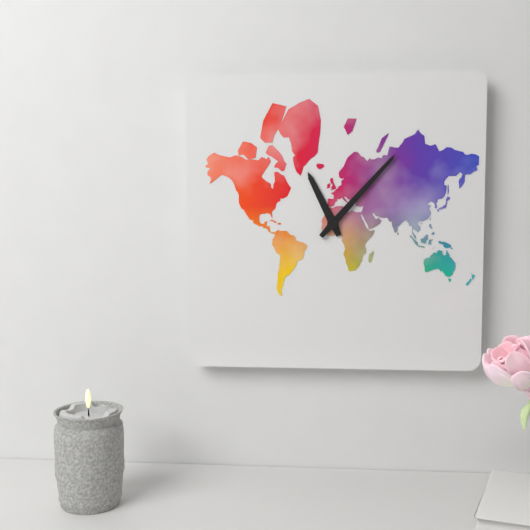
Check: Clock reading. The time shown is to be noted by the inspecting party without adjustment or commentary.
11:07
